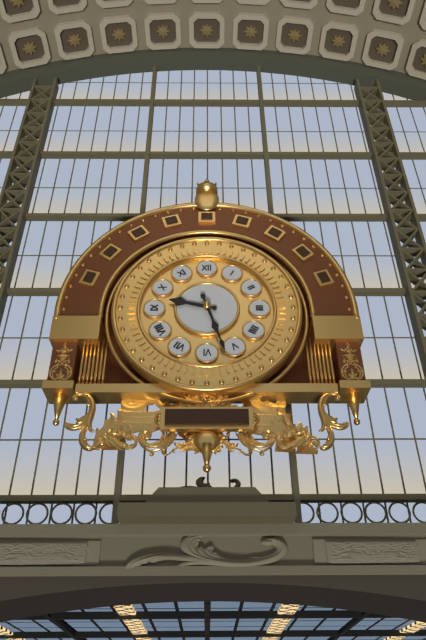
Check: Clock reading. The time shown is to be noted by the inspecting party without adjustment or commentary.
9:27
